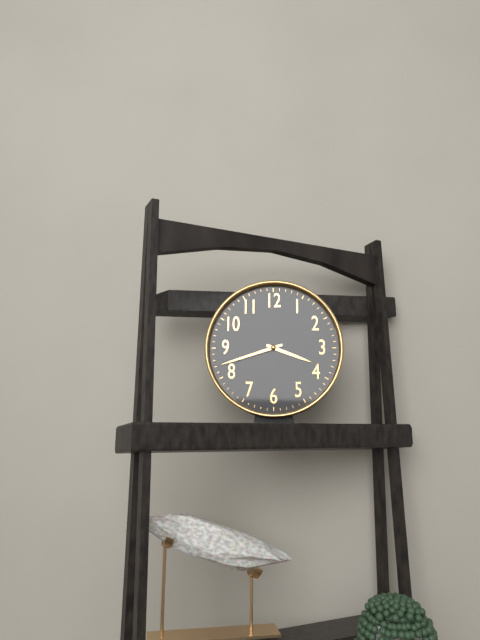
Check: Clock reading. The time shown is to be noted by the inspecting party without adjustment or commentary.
3:42
